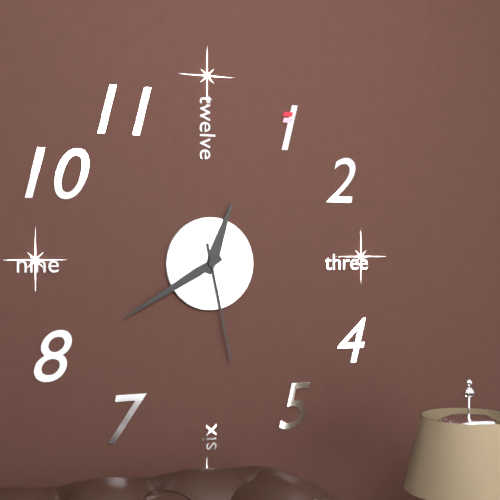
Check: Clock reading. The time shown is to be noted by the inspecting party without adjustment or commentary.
12:40:28
